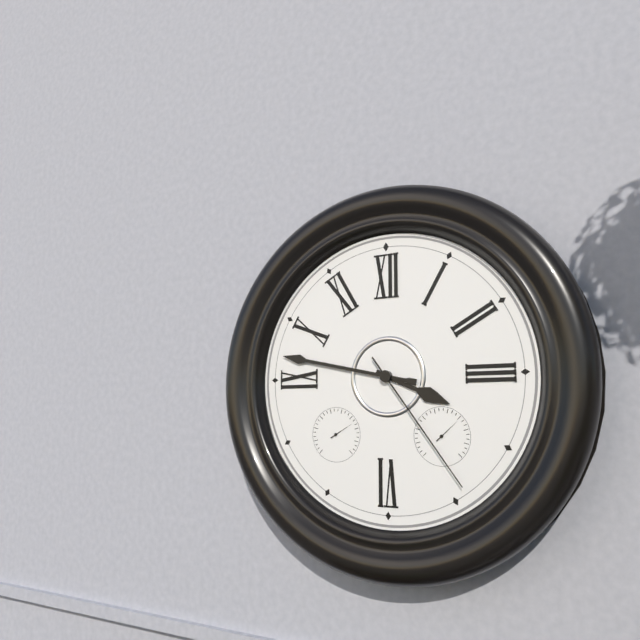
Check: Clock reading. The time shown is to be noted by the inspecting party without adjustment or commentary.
3:47:24
